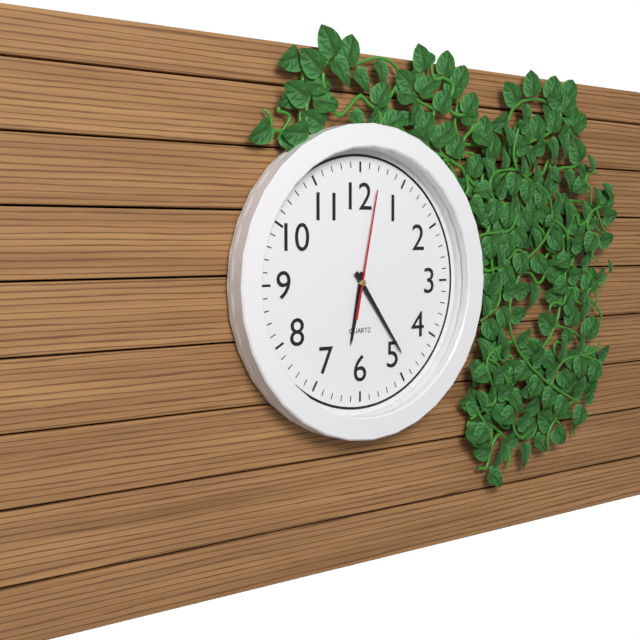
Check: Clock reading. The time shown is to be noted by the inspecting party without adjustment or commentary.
6:24:02
